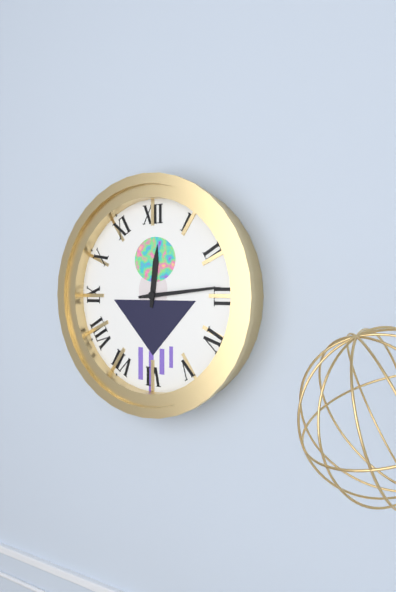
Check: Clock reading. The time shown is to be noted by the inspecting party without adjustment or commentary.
12:14
